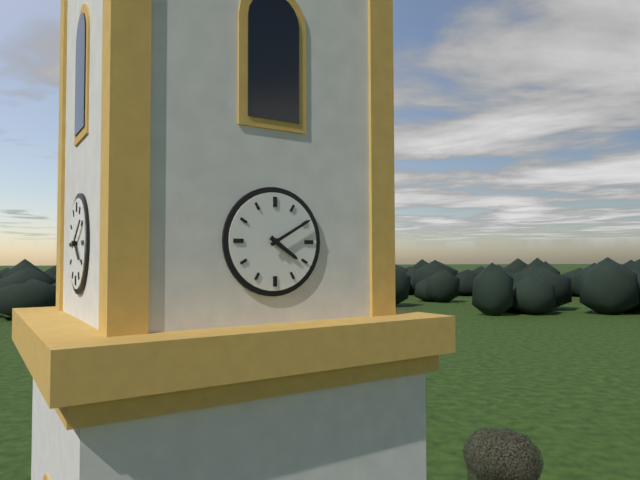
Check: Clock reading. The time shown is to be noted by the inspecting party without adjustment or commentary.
4:10
